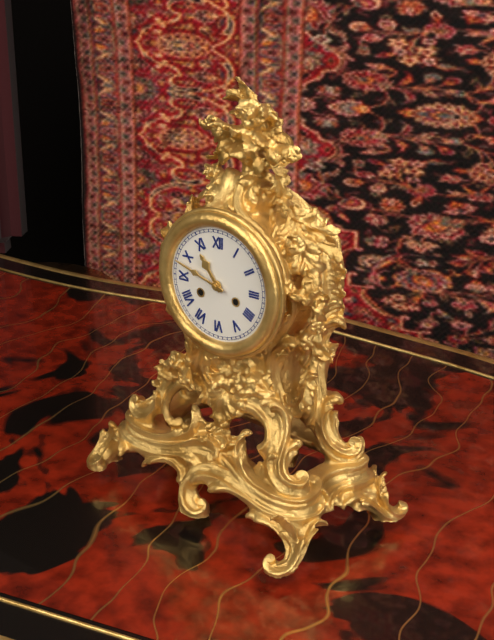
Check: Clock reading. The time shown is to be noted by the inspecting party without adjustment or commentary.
10:48
